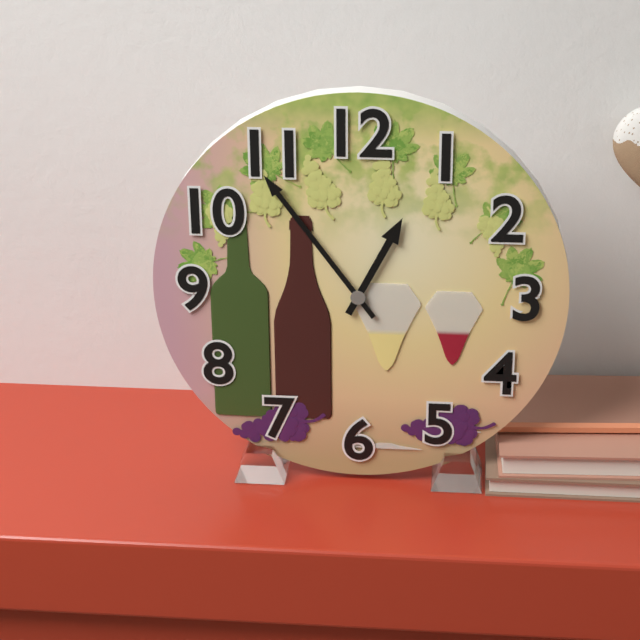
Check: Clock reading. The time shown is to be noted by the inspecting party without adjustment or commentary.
12:54
